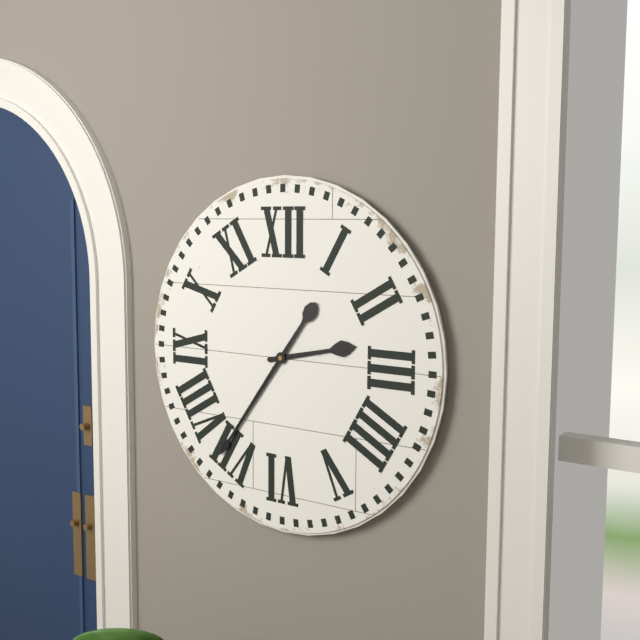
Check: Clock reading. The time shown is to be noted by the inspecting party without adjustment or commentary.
2:36
